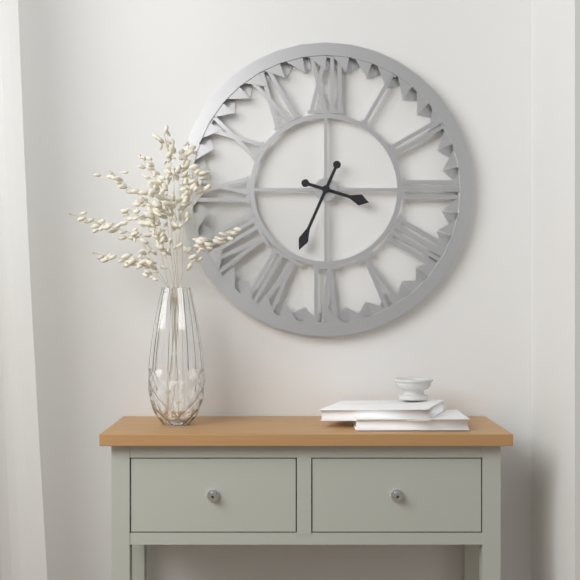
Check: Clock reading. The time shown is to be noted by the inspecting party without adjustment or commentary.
3:34
